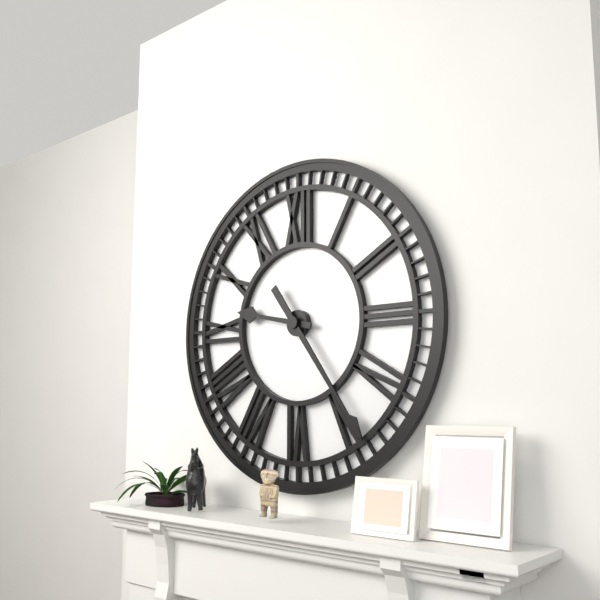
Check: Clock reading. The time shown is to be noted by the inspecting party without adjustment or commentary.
9:24
